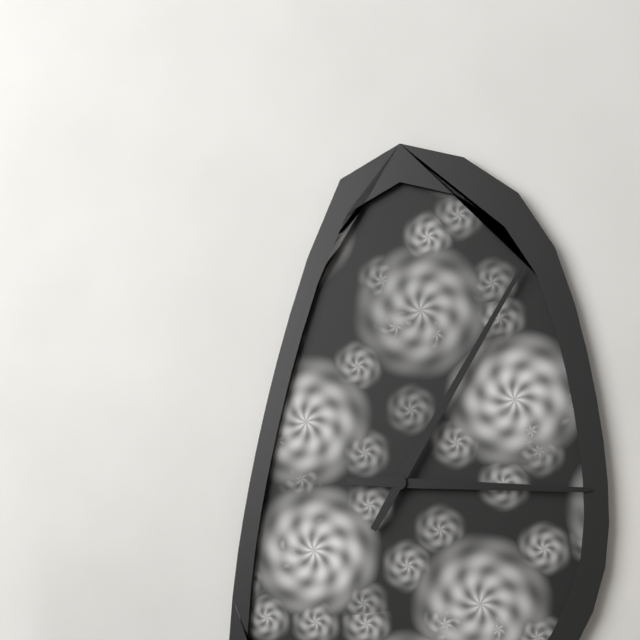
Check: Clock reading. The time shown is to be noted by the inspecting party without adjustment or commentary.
3:05
